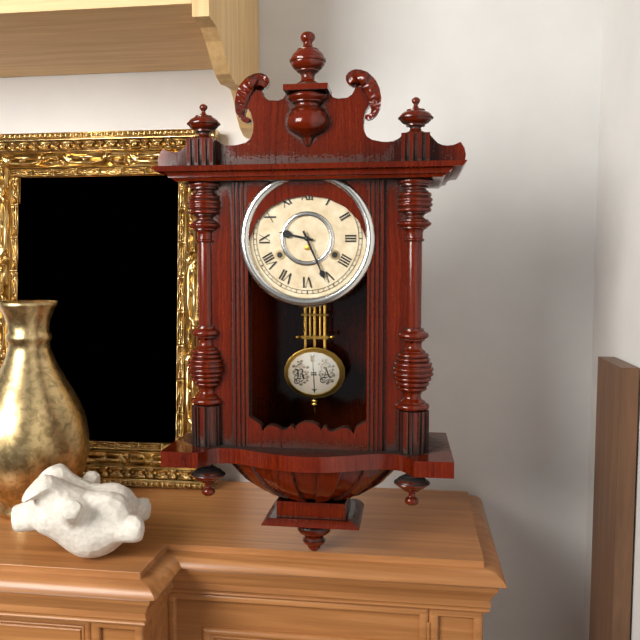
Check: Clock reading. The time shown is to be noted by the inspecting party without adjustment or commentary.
9:26
